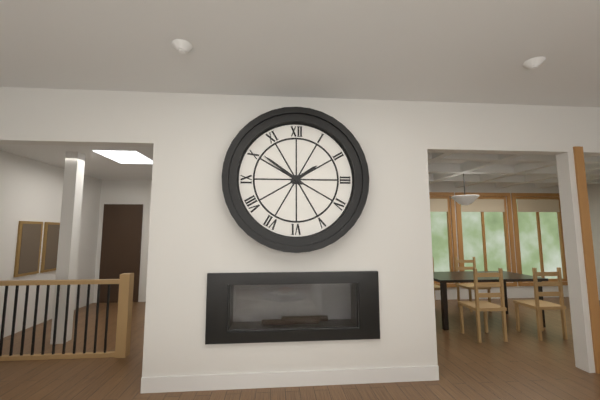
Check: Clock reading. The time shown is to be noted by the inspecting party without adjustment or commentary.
1:51
